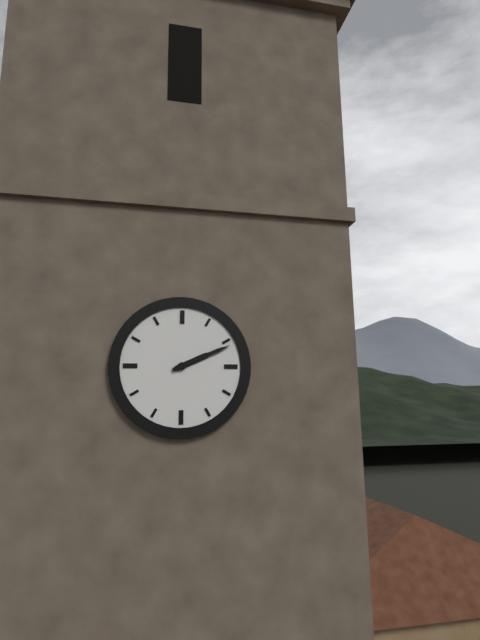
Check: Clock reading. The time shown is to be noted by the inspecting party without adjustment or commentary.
2:11
